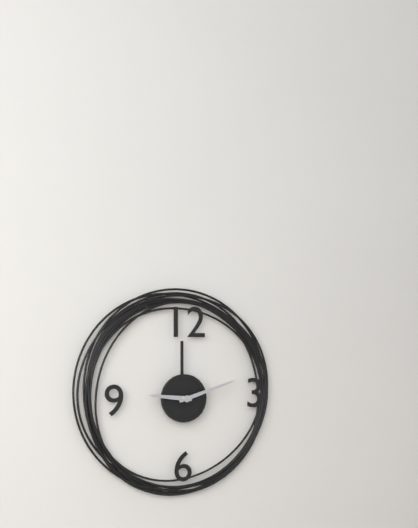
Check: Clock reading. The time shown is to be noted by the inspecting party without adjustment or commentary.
9:12
